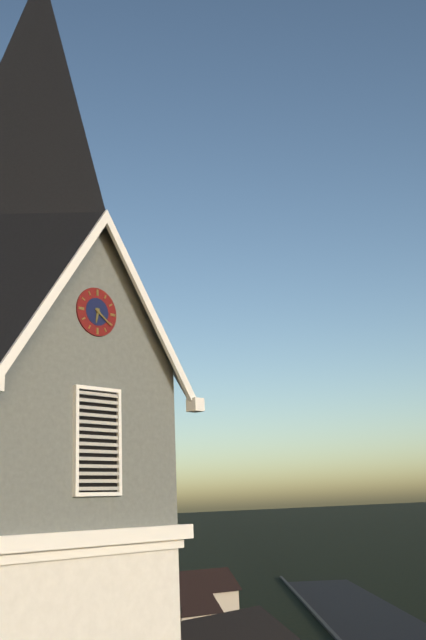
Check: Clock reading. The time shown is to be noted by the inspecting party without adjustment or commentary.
6:21
